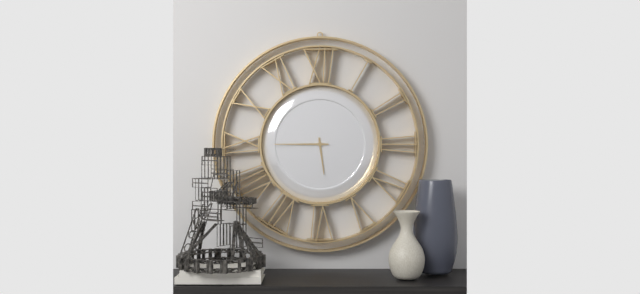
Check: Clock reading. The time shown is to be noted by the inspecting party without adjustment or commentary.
5:45
